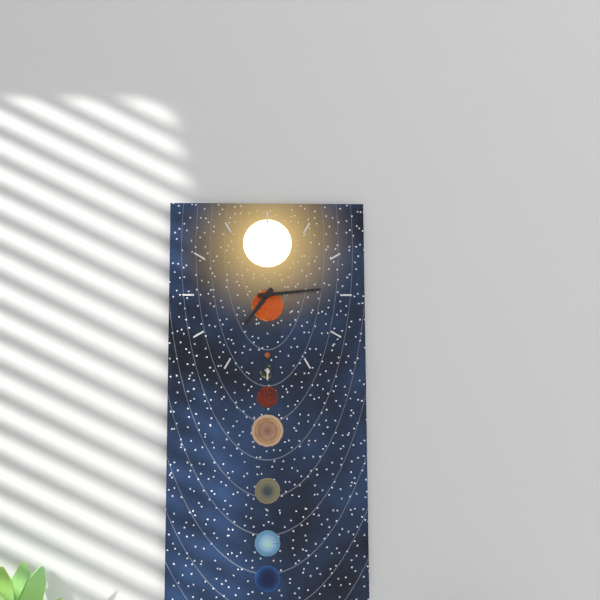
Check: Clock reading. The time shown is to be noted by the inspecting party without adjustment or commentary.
7:14
